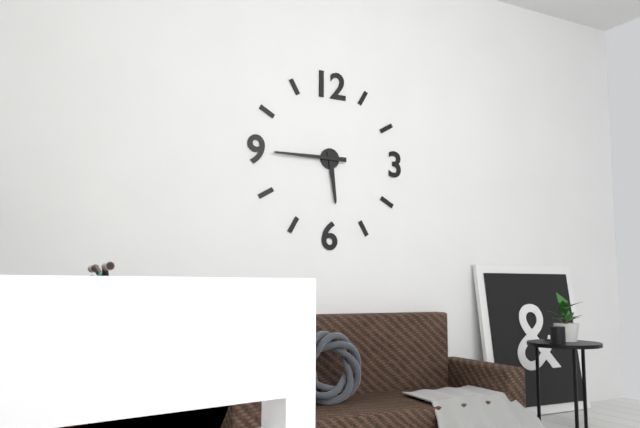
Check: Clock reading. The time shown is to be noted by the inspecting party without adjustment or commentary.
5:45
